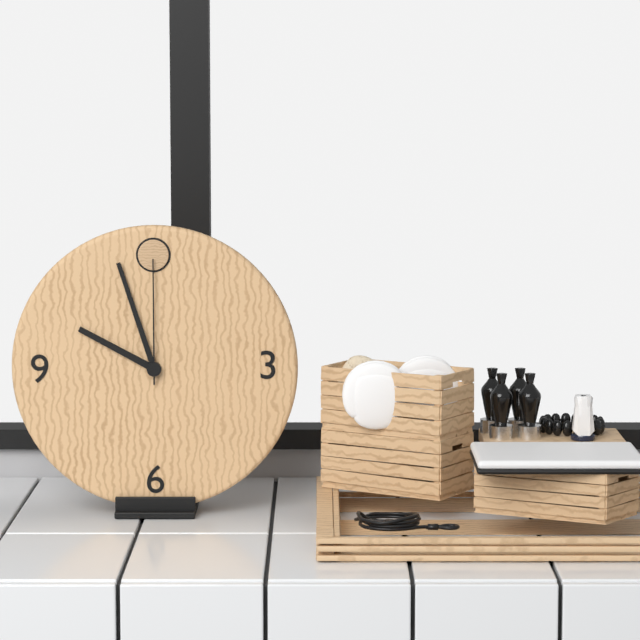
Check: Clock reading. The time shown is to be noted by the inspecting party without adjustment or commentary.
9:57:00
